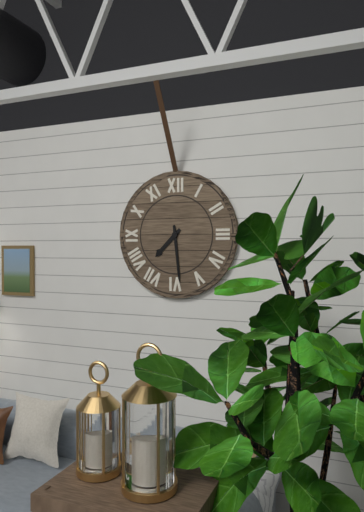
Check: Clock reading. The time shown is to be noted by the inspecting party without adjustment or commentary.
7:29
